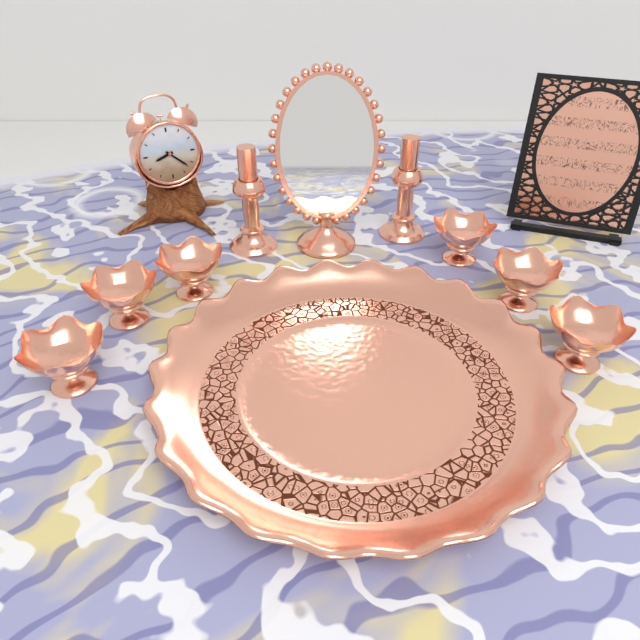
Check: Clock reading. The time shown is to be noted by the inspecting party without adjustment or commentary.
8:22
